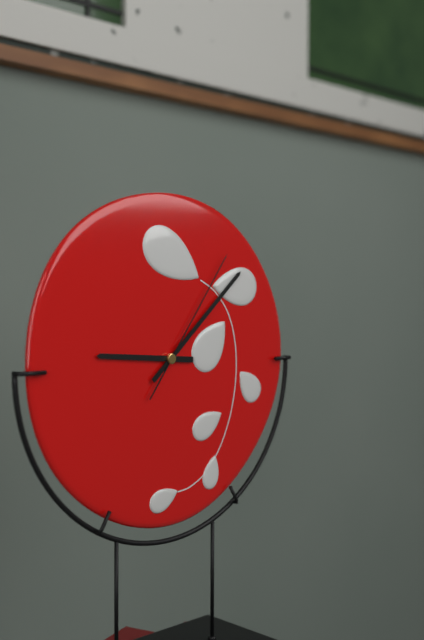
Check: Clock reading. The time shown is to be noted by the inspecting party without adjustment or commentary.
9:08:06
